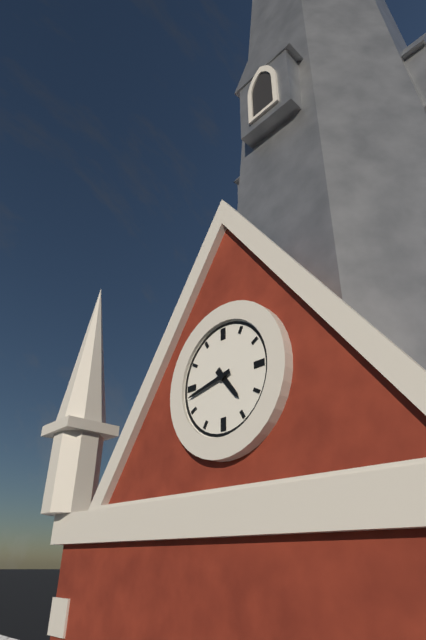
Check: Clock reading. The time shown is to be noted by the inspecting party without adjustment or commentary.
4:43
